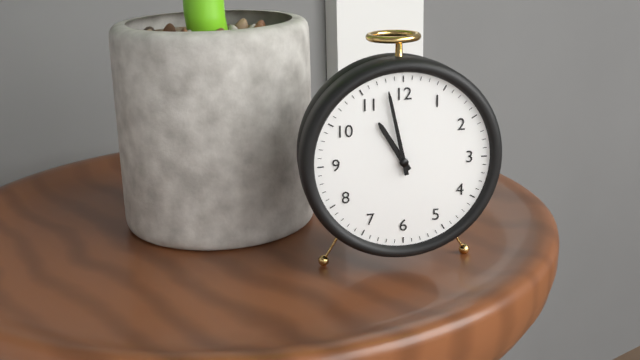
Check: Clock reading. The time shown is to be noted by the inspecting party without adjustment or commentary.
10:58
